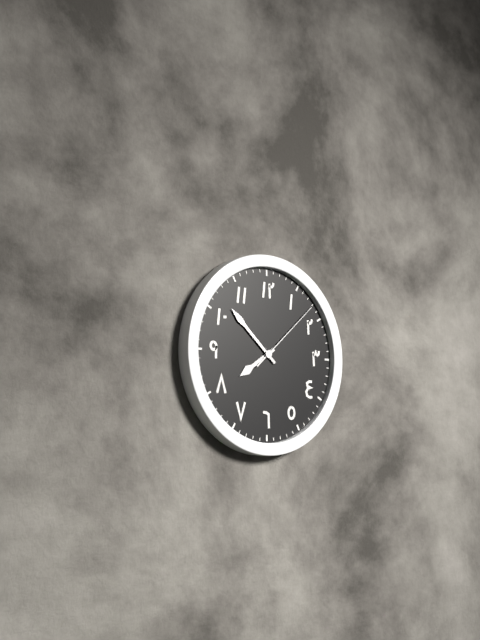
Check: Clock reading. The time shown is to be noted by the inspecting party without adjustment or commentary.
7:52:08
